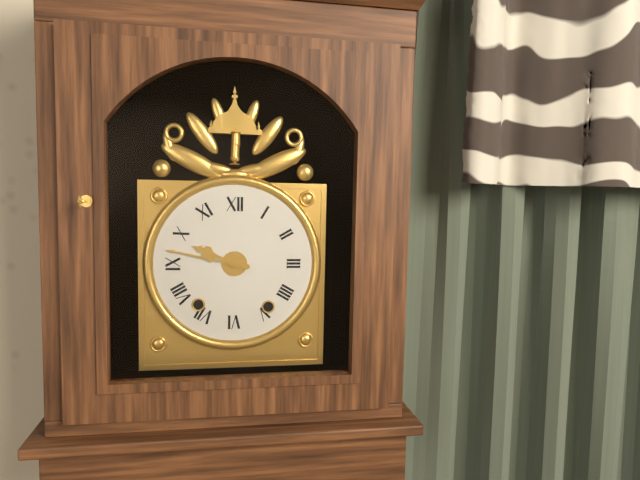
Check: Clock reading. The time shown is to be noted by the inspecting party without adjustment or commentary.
9:47
